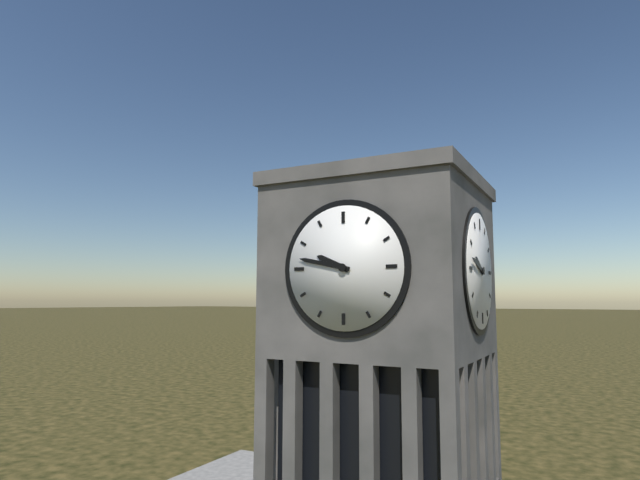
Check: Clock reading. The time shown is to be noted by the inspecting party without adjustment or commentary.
9:47
